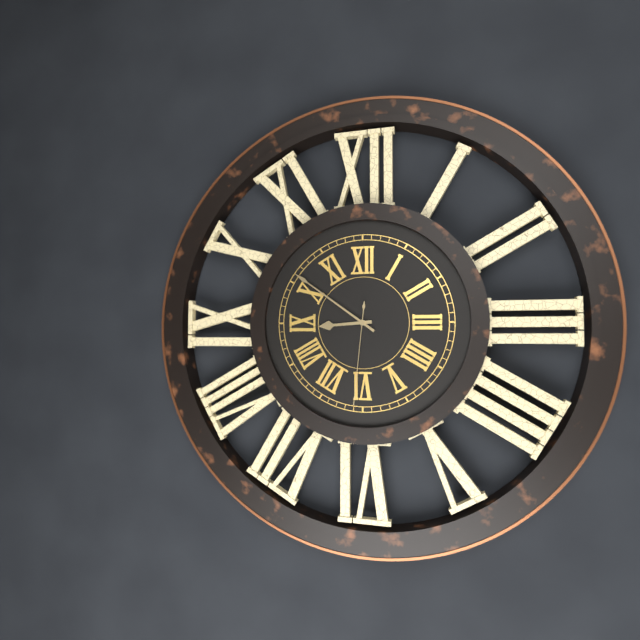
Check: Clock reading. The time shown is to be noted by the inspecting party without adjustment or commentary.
8:51:31
